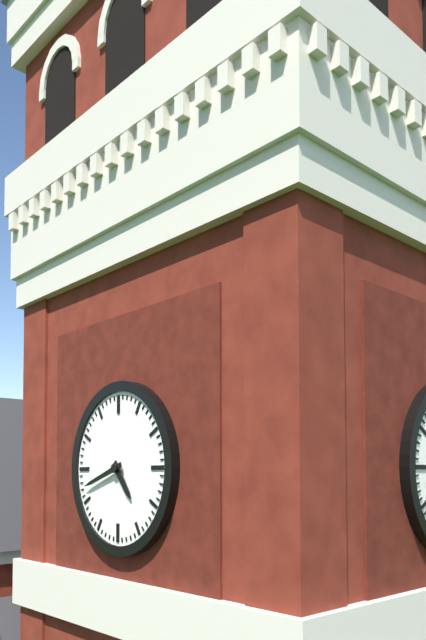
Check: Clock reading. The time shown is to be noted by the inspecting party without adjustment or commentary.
4:42
